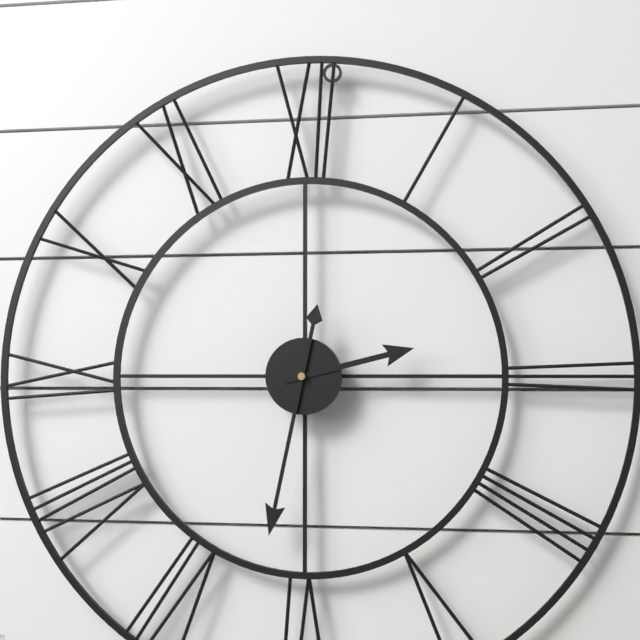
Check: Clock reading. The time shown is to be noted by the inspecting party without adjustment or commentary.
2:32
